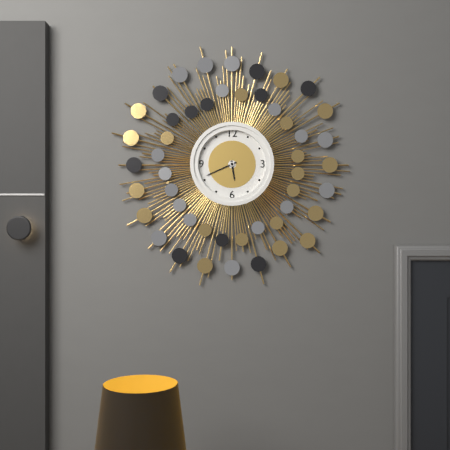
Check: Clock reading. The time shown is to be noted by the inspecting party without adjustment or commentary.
5:41
